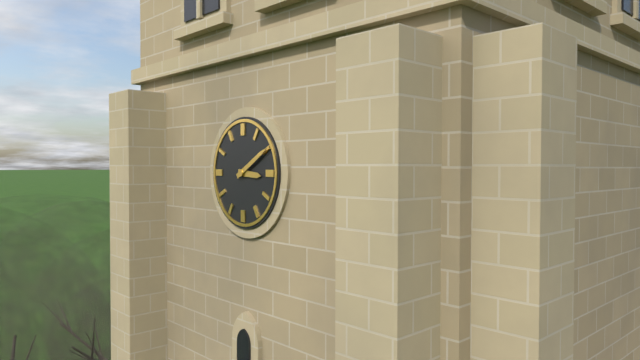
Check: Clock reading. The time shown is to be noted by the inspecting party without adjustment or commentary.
3:10
